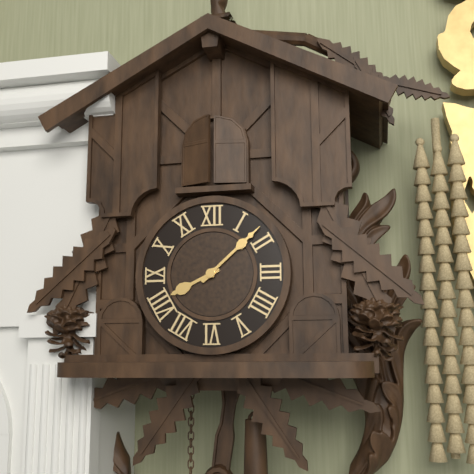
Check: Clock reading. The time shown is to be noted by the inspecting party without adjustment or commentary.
8:08
